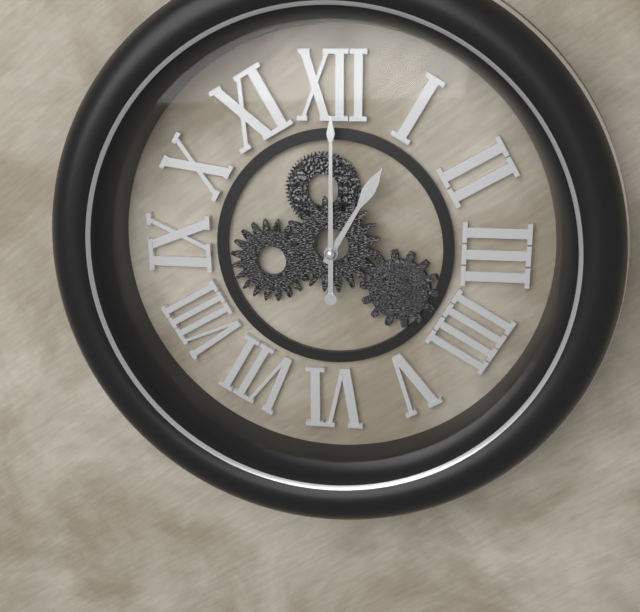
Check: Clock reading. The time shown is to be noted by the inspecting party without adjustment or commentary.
1:00
